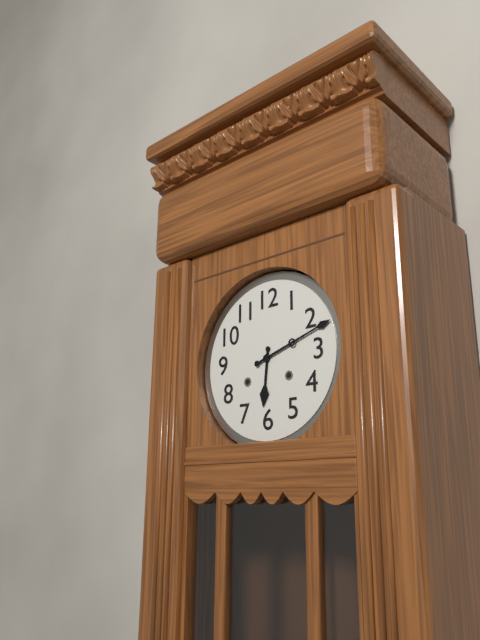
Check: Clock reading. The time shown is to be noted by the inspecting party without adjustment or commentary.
6:12
